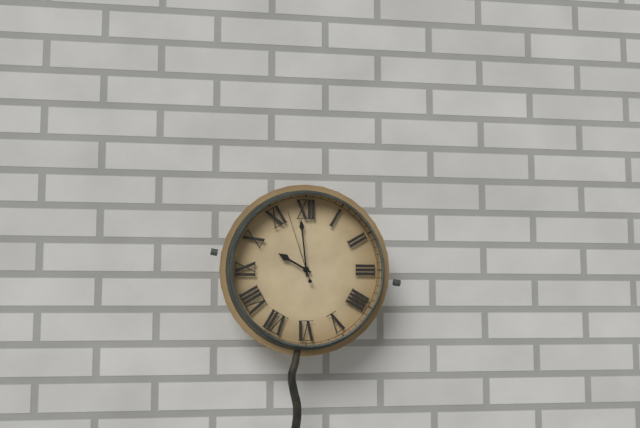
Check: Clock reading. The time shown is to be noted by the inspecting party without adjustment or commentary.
9:59:57
